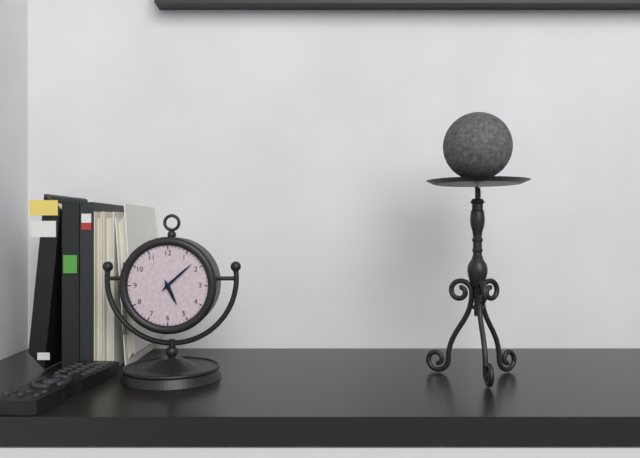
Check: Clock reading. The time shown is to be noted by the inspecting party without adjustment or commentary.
5:08
